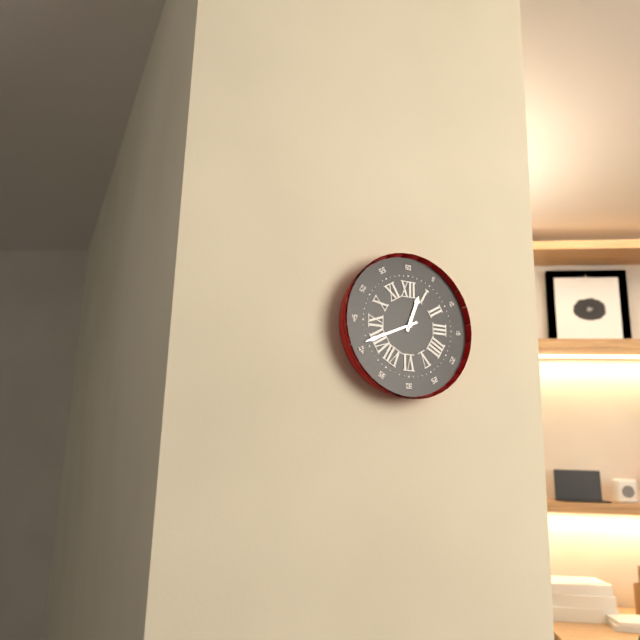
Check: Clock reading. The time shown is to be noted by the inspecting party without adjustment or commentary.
12:41
